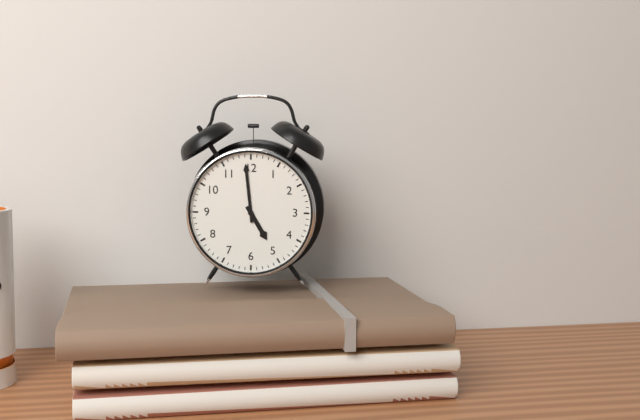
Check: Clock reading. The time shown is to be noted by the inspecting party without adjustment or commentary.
4:59
